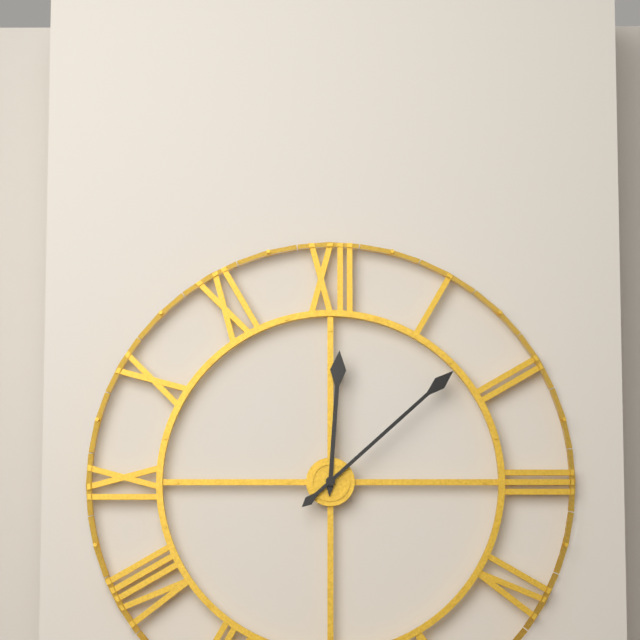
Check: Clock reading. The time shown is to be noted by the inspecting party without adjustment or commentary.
12:08
